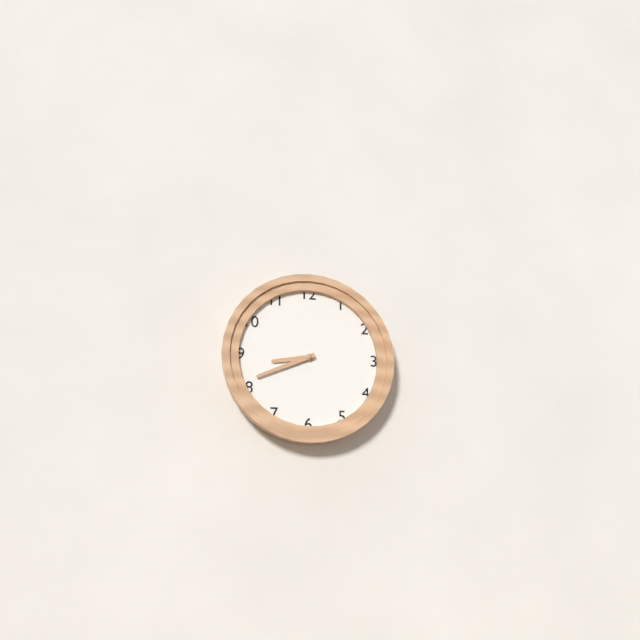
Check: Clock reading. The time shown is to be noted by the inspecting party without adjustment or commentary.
8:41
